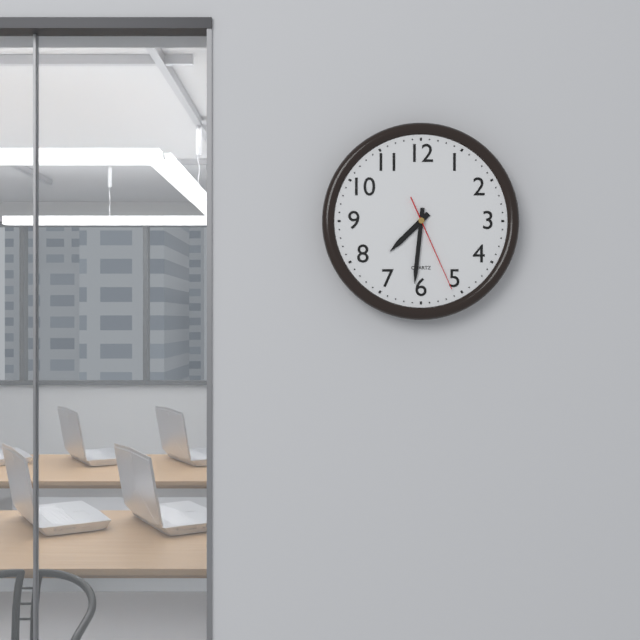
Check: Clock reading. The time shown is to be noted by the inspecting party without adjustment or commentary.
7:31:26
